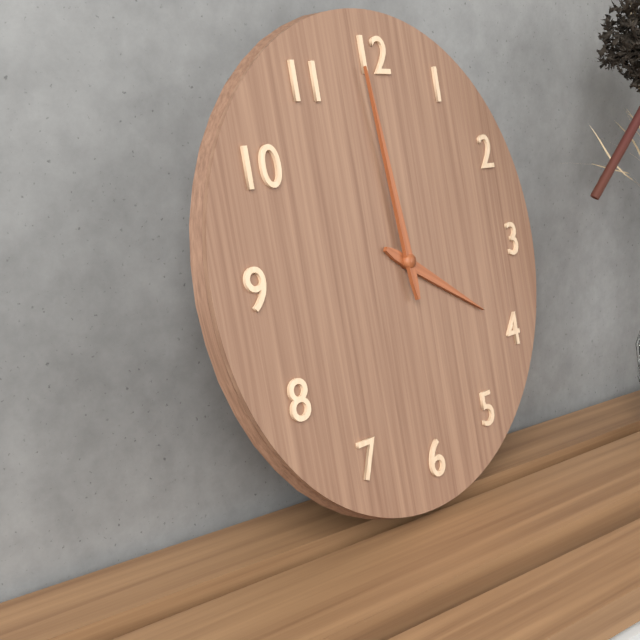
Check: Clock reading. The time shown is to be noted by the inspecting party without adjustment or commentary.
3:59
